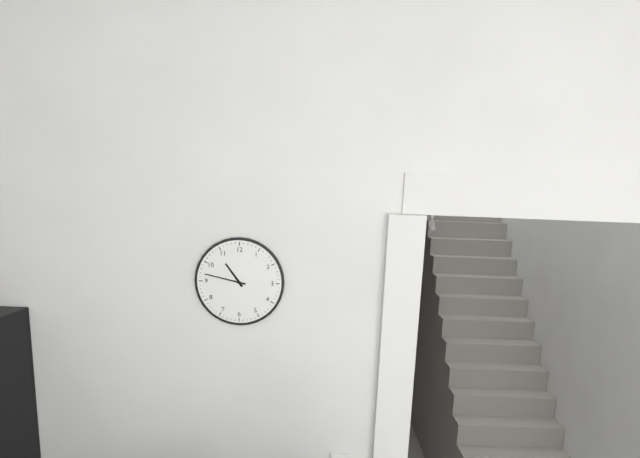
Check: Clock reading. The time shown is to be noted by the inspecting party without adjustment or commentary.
10:47
